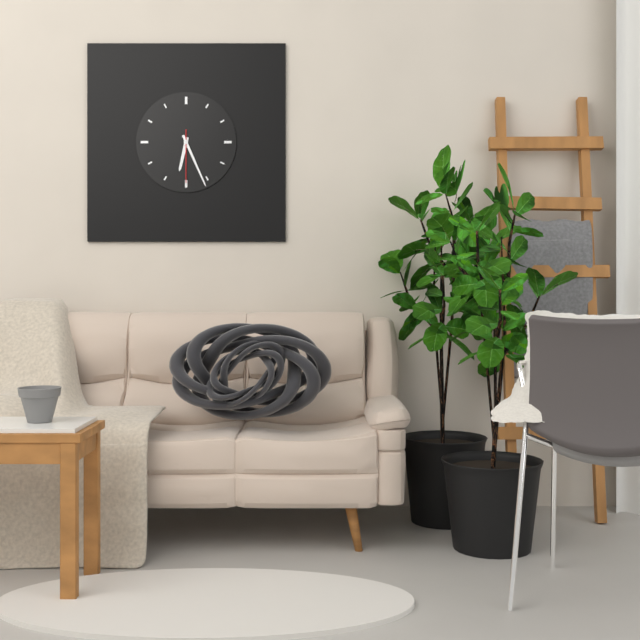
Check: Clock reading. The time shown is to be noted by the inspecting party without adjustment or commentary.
6:26:30
